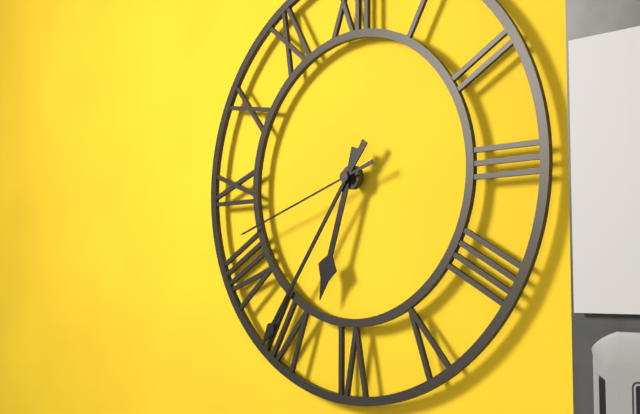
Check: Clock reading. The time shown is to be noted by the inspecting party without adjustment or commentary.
6:36:42
